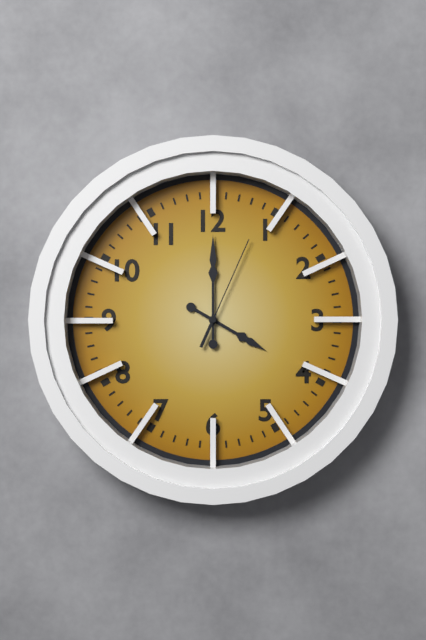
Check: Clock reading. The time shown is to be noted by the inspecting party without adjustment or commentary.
4:00:04
